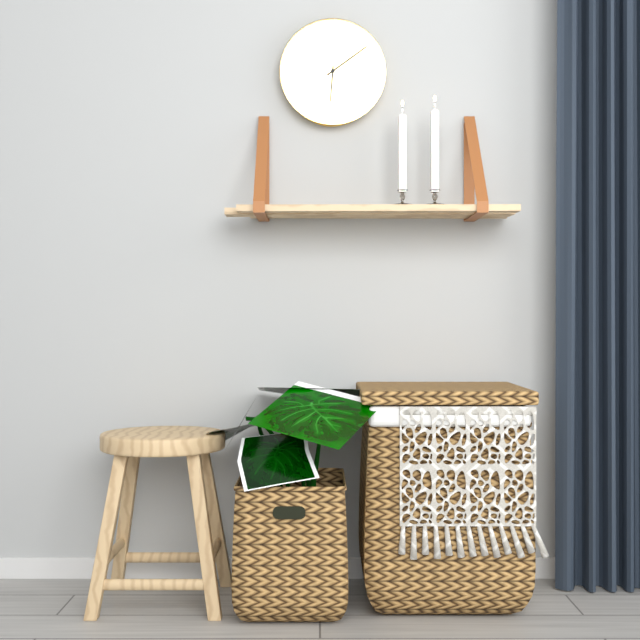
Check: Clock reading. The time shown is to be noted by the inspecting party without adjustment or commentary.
6:09
